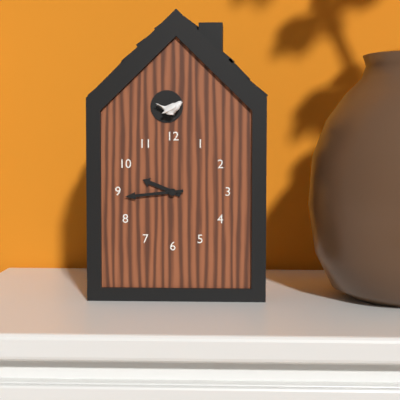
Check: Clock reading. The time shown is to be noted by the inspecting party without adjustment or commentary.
9:44
